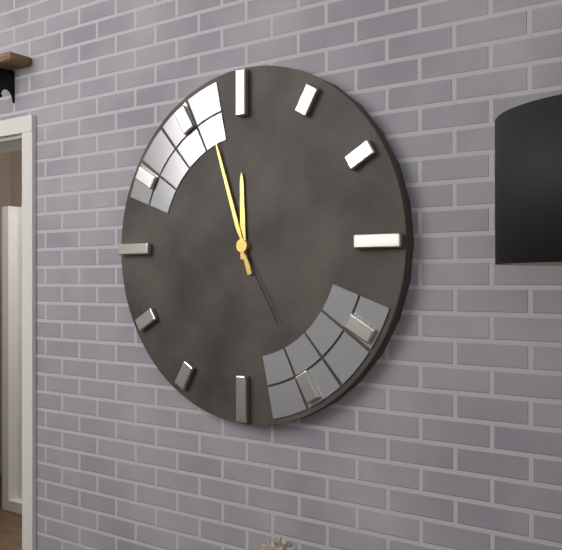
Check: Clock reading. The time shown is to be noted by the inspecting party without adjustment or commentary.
11:57:25
